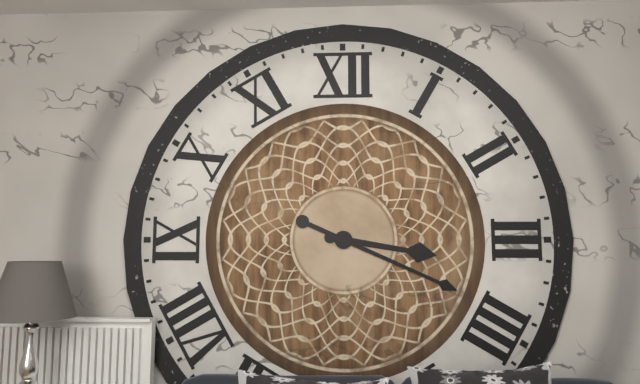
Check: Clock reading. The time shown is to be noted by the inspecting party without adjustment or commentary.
3:19
